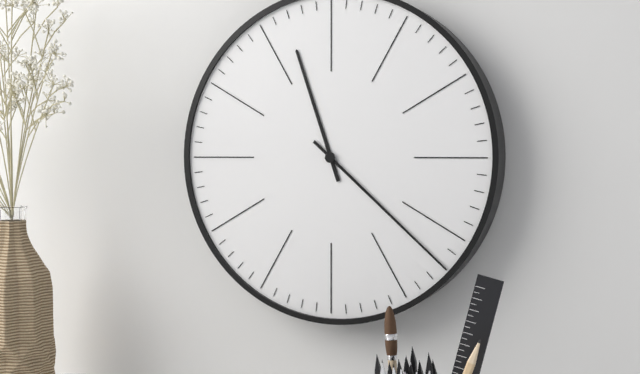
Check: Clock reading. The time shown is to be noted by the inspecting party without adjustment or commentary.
11:22
